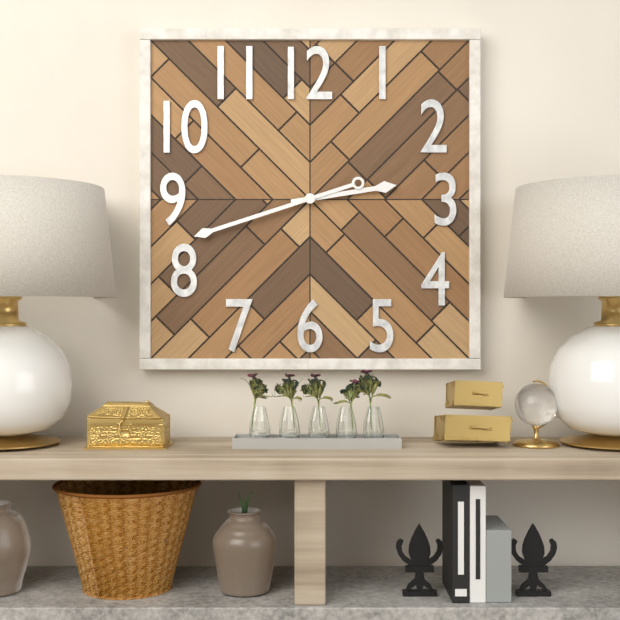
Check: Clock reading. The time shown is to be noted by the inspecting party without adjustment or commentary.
2:42
